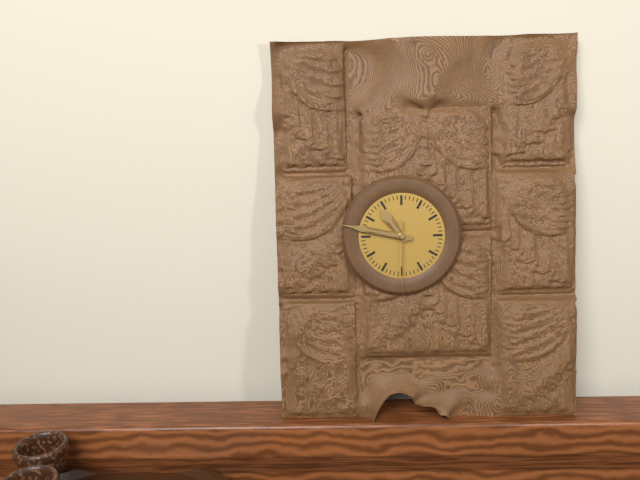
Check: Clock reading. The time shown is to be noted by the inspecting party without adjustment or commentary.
10:47:30
